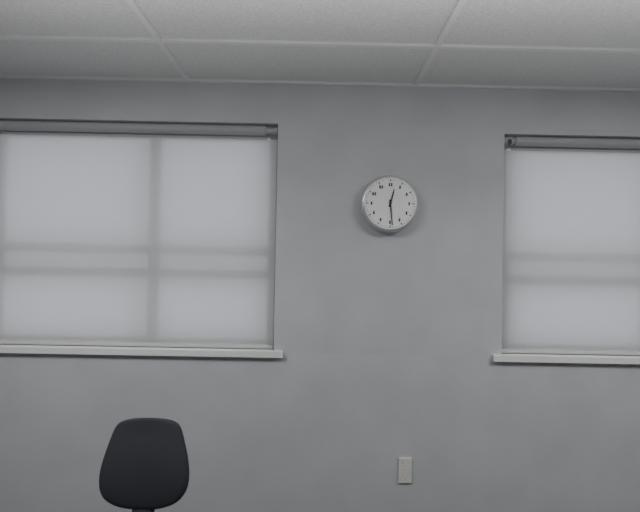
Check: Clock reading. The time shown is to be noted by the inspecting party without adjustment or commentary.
12:29
